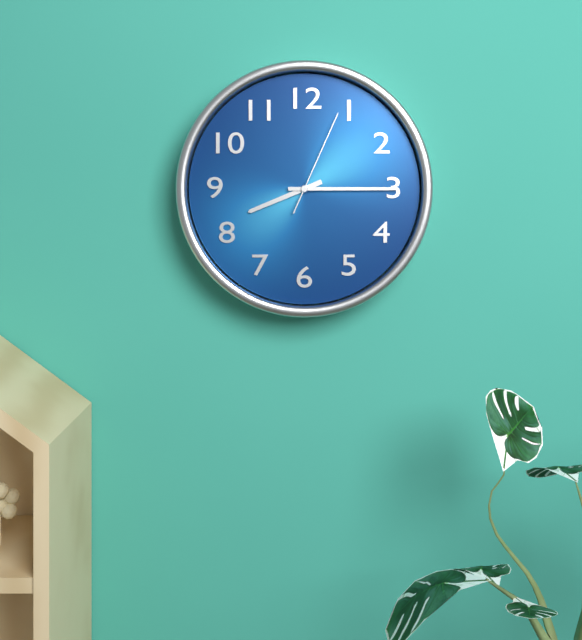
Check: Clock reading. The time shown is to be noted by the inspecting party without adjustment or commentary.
8:15:04
